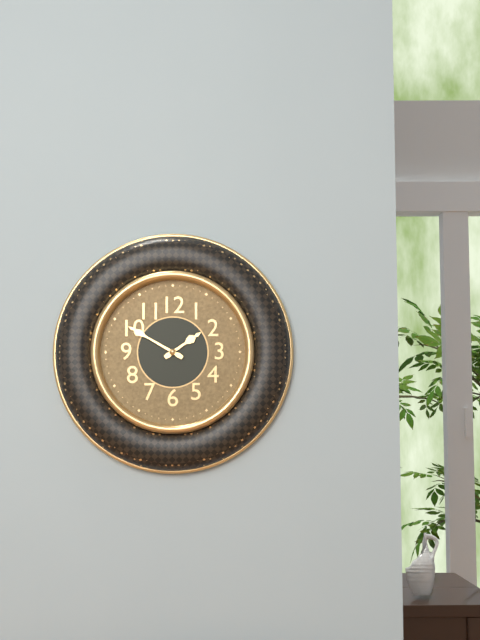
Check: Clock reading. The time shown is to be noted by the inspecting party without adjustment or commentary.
1:50
